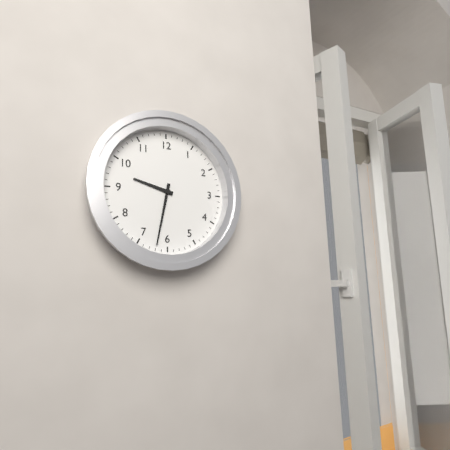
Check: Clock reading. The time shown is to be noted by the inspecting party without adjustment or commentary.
9:32
